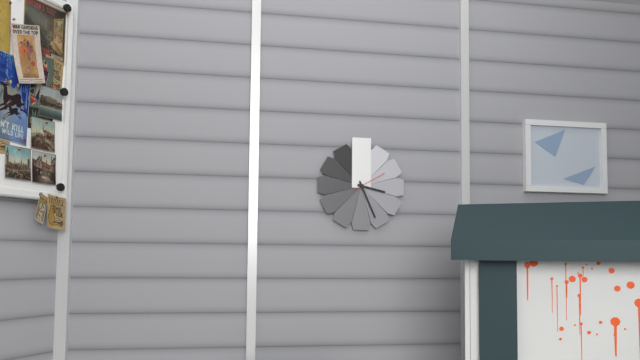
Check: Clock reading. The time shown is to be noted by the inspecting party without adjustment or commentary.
3:26
